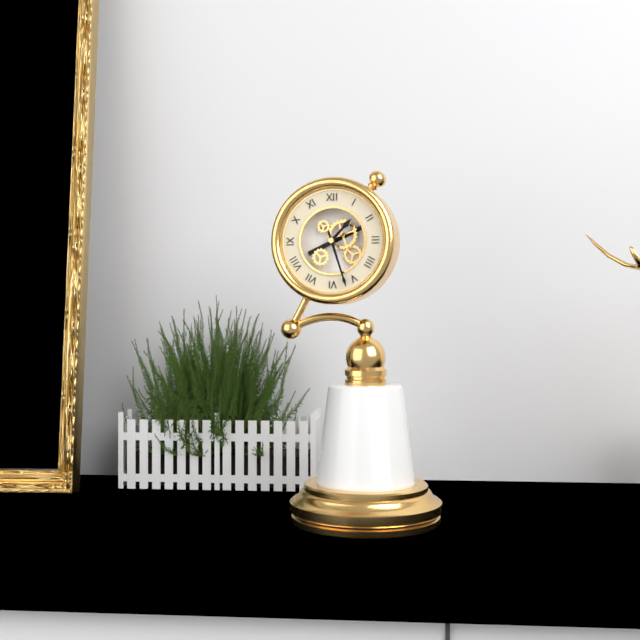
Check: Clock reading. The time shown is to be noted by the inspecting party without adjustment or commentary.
1:27
